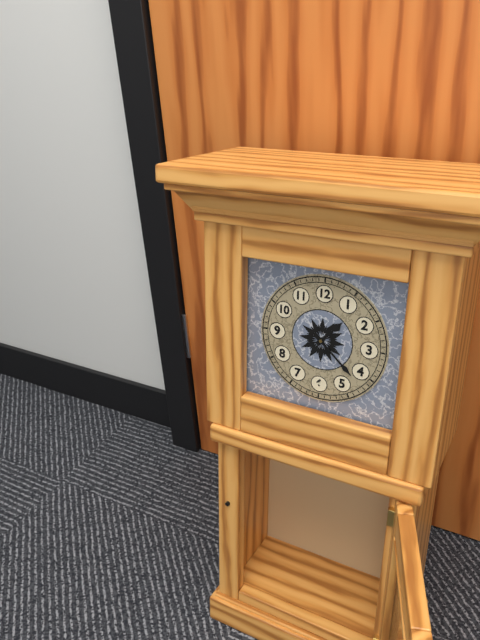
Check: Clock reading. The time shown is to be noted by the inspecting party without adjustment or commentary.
1:22
